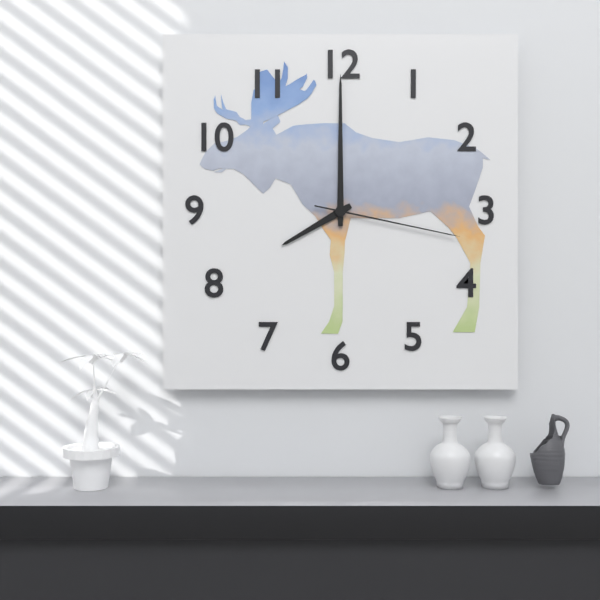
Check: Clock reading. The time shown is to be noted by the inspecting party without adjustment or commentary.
8:00:17
